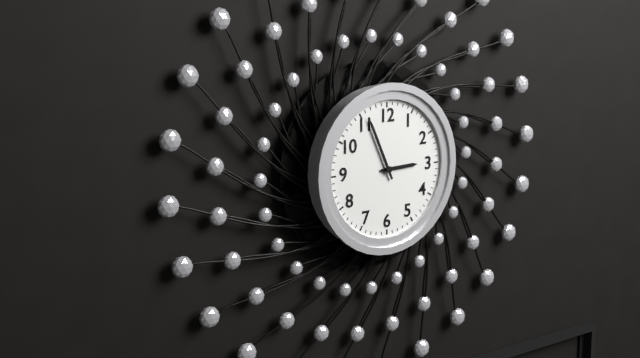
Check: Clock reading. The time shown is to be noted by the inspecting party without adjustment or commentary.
2:56
